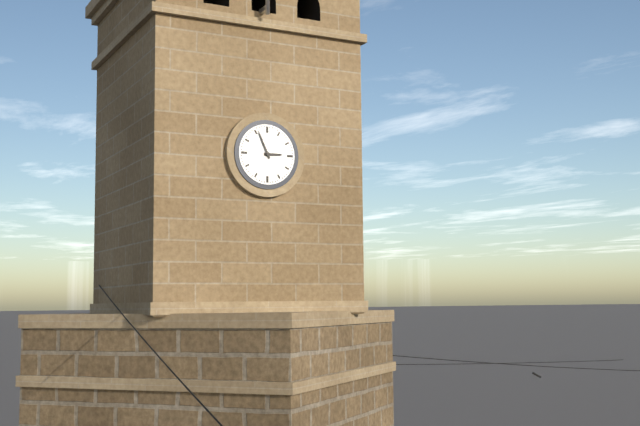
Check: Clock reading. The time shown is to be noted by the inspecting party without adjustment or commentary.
2:56
